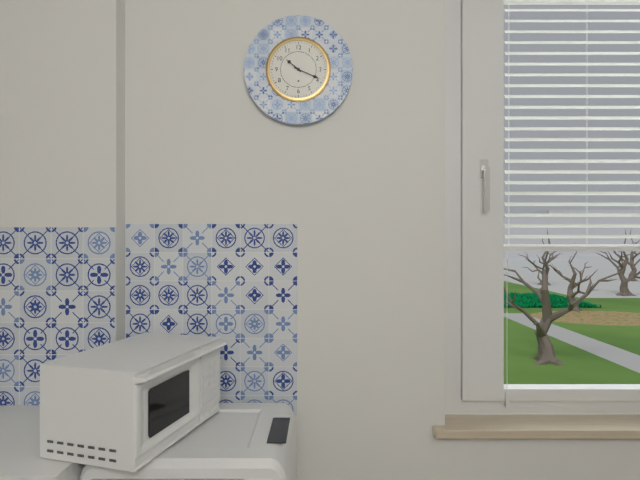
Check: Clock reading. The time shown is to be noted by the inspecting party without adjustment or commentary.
10:19
